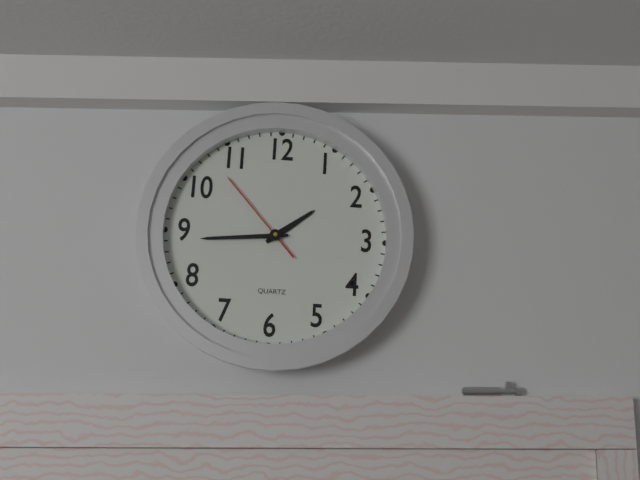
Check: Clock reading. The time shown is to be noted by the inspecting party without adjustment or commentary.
1:44:53
